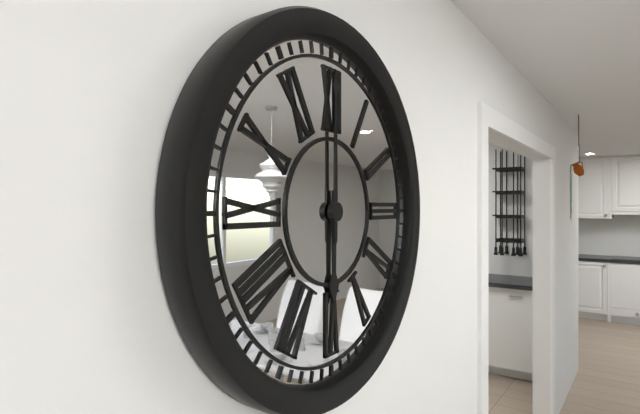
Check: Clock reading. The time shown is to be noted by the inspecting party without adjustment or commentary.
6:00
